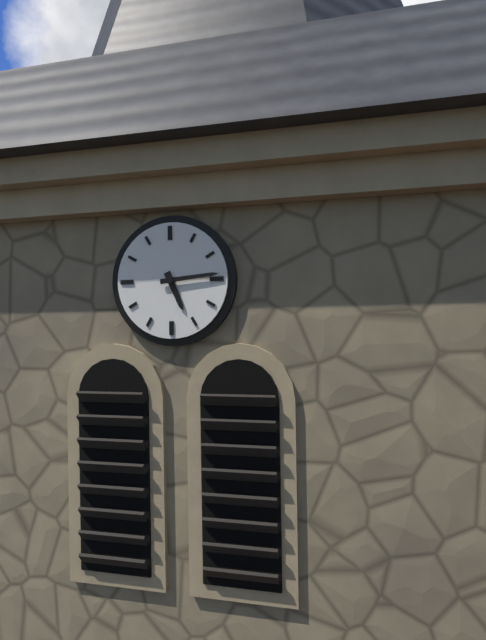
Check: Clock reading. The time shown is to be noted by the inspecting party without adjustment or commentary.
5:14
